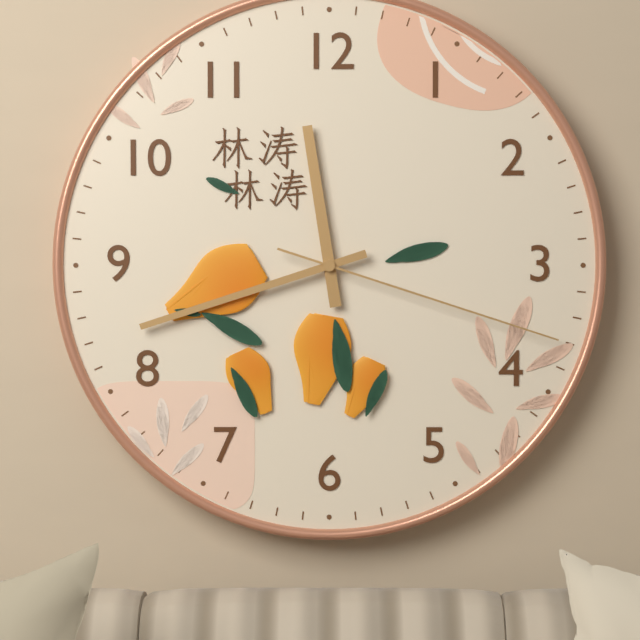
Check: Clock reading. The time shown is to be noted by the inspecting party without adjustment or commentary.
11:42:18
